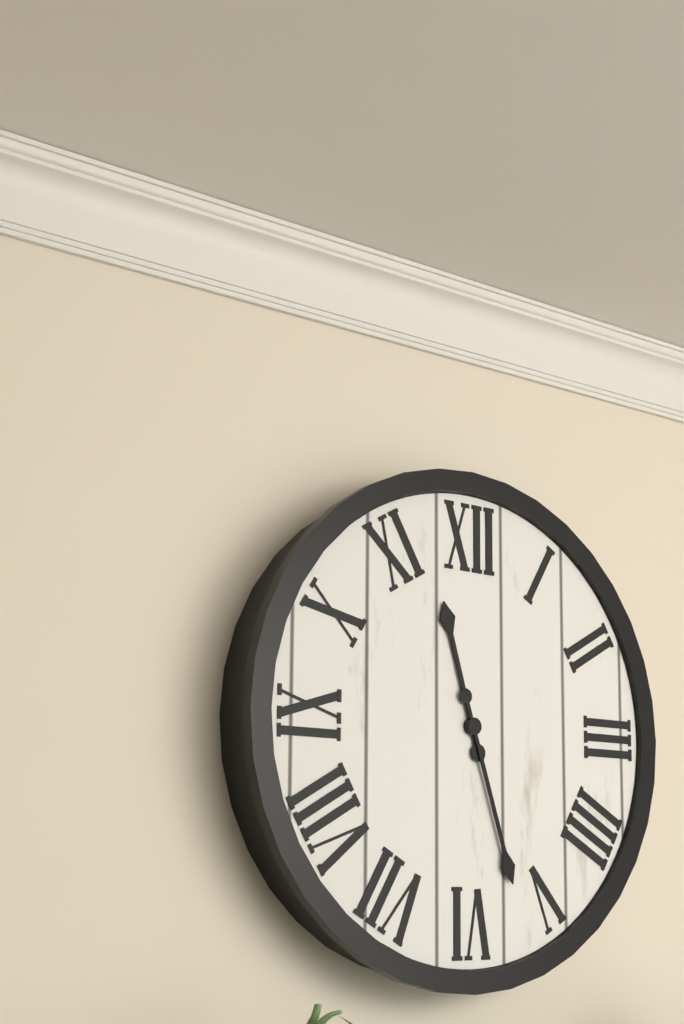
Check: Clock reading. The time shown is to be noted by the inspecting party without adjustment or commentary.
11:27
